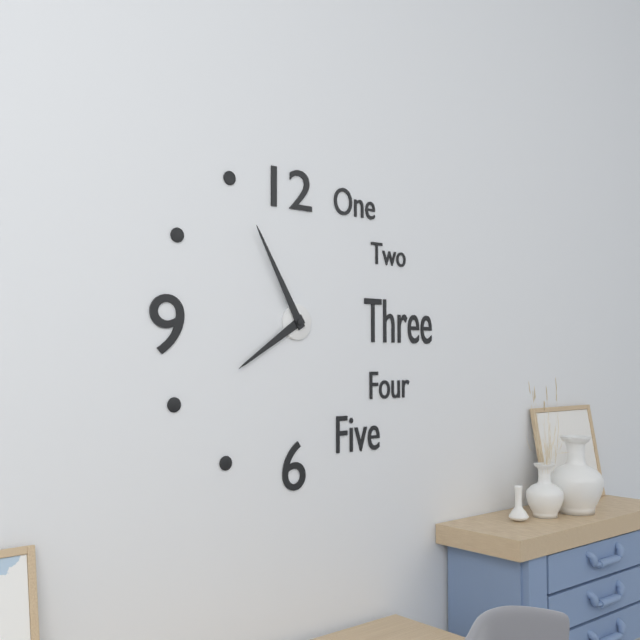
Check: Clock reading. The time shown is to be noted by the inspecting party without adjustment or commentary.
7:55
